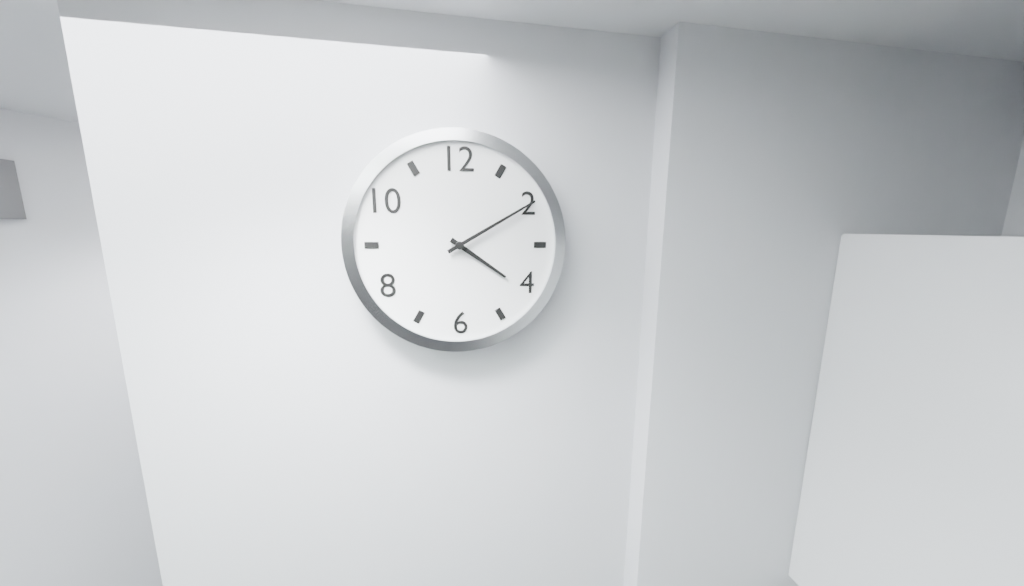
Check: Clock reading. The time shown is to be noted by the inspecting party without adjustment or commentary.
4:10
